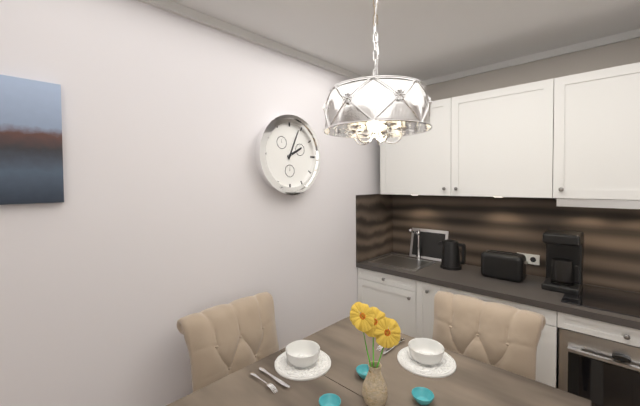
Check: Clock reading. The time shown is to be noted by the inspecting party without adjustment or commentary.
2:04
